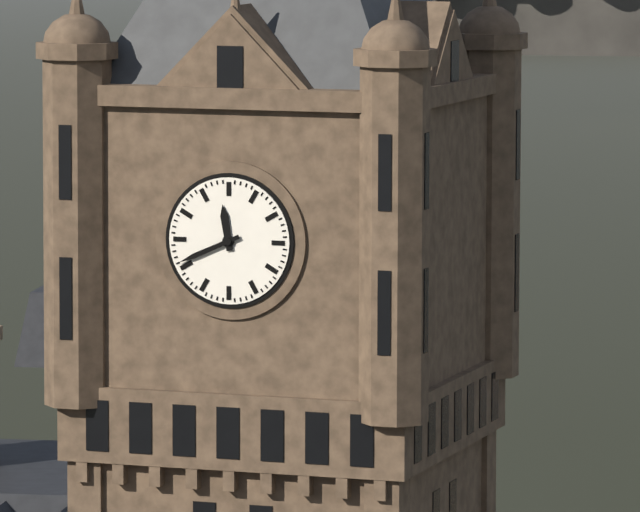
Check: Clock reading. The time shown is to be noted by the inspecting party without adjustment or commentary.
11:41
